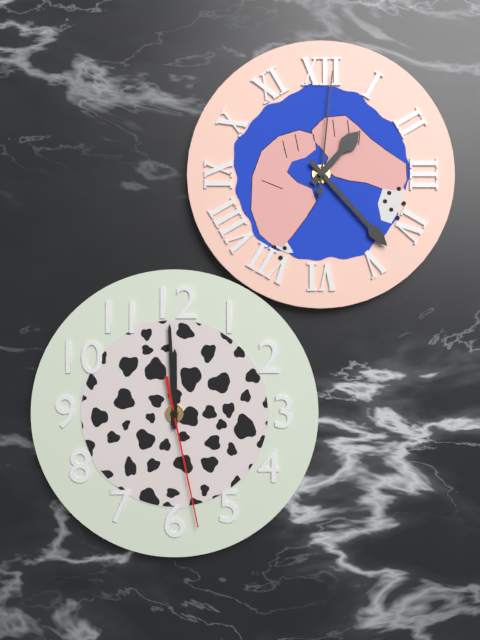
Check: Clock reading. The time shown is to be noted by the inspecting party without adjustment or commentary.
1:23:01
